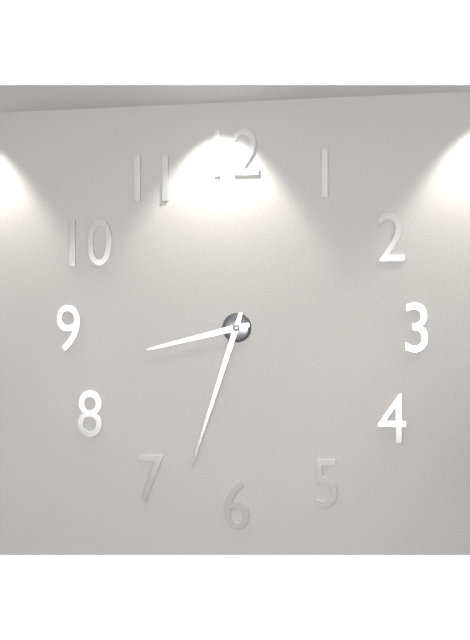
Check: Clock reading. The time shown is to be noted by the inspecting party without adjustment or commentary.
8:33
